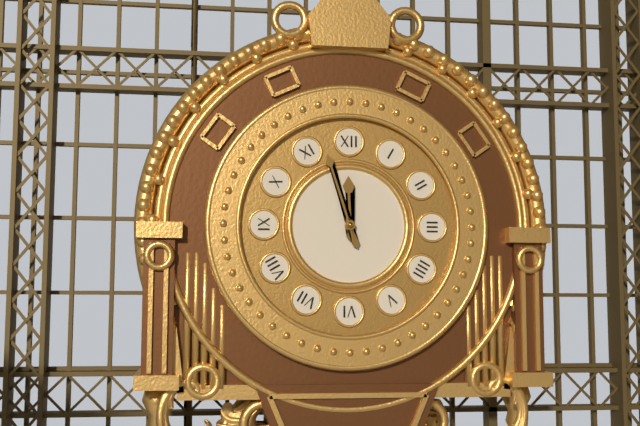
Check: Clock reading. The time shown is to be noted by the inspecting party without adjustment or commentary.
11:57
